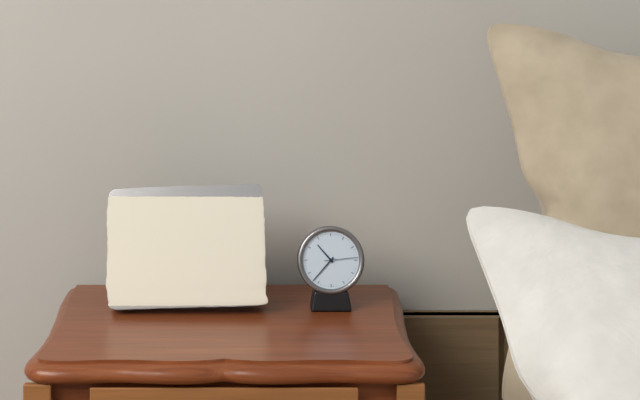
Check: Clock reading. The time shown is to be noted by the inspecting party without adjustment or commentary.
10:37
